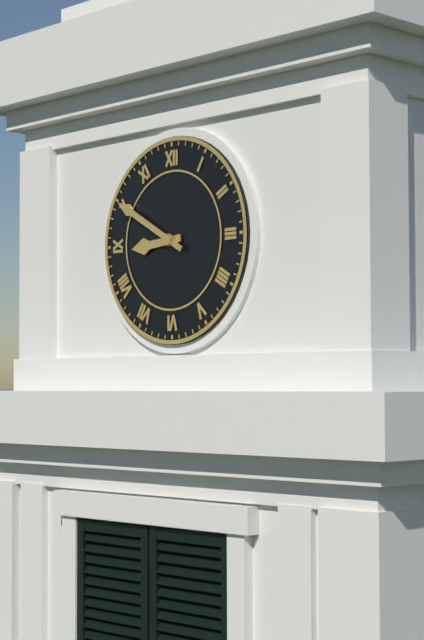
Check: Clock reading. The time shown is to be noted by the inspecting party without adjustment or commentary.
8:50
